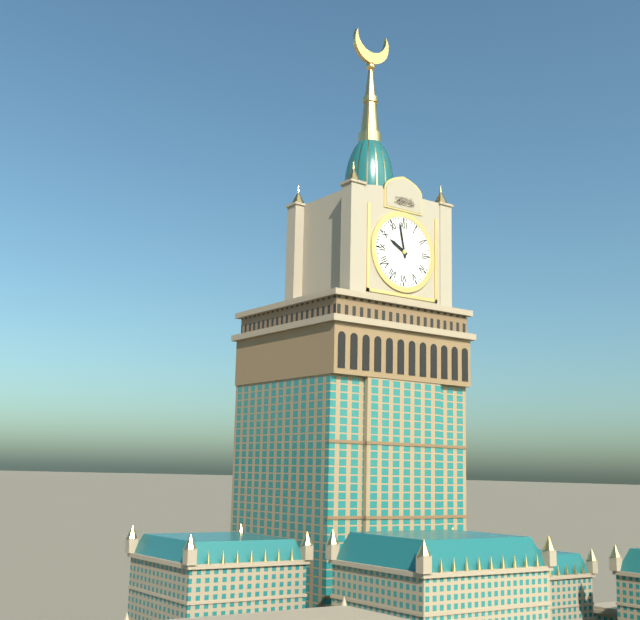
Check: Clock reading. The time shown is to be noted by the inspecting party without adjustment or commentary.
9:58
